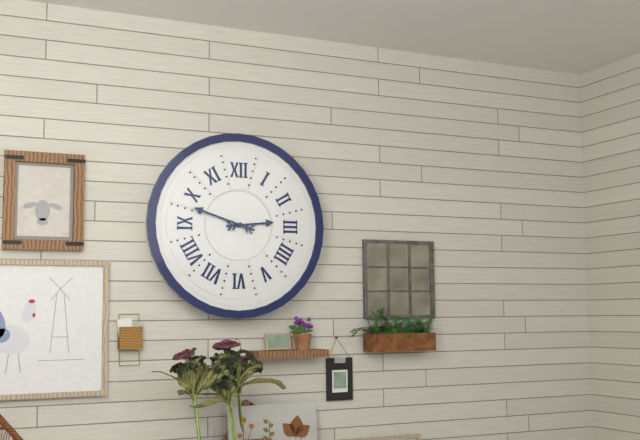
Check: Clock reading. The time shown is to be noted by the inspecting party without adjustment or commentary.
2:48
